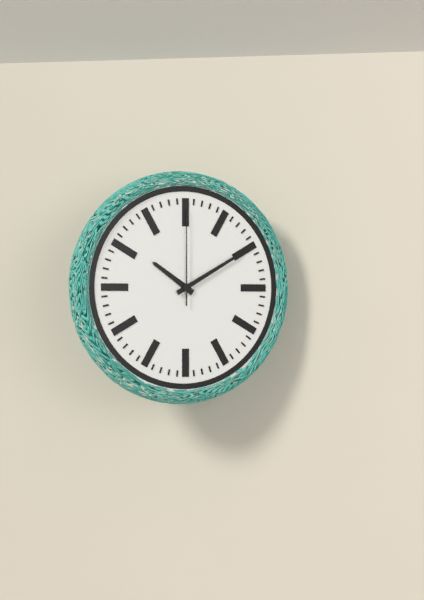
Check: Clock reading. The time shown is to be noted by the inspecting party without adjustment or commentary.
10:10:00
